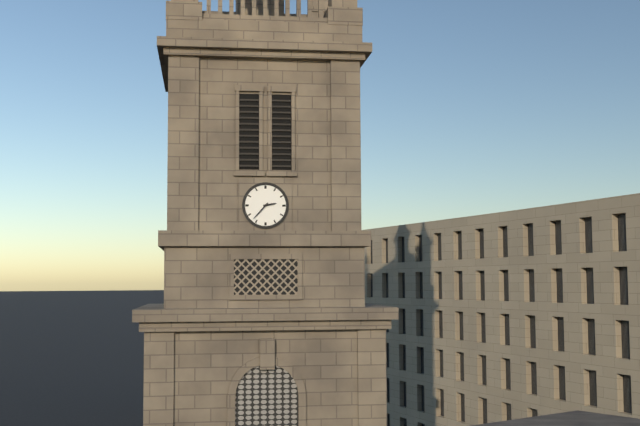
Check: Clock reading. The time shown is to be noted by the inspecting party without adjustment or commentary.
2:37
